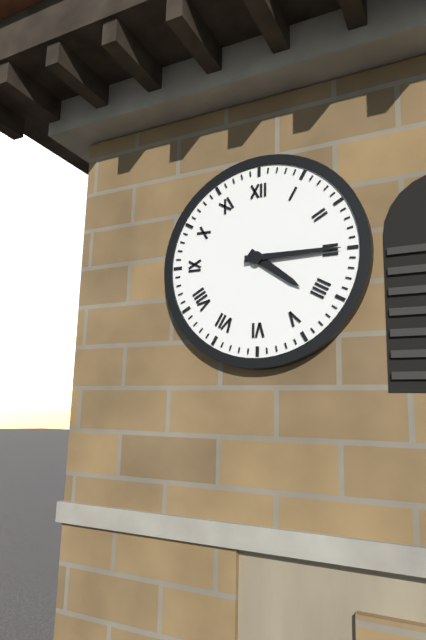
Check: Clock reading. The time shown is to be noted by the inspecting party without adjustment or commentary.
4:15
